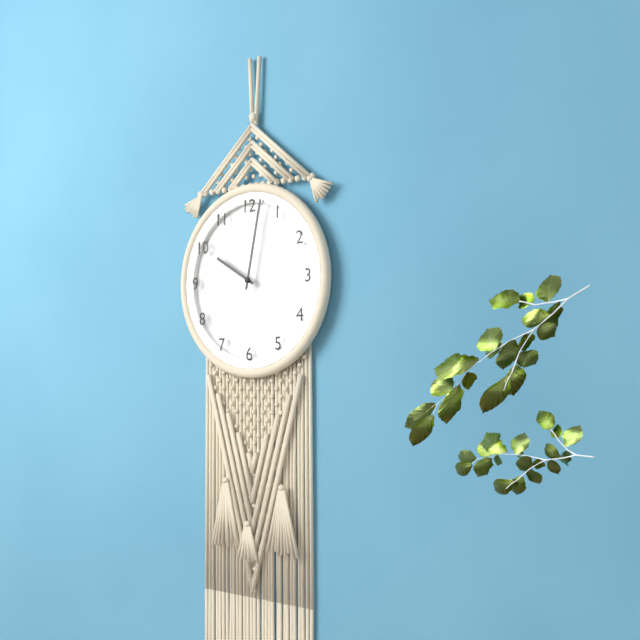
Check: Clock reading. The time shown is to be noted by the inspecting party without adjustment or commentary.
10:02
